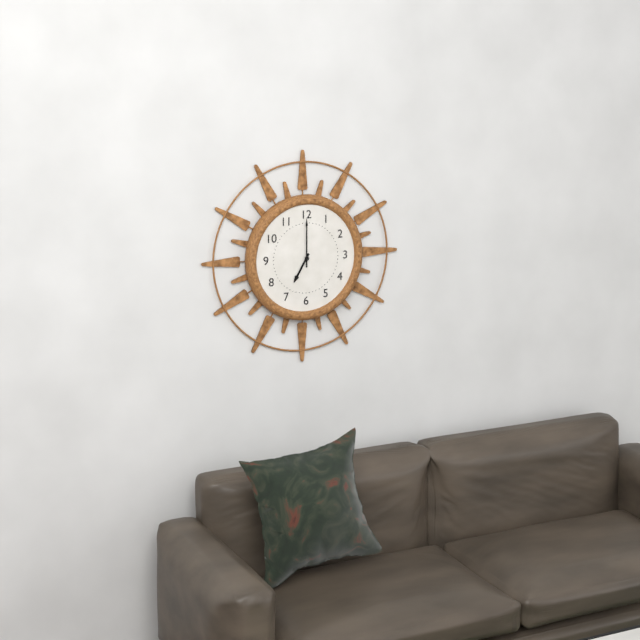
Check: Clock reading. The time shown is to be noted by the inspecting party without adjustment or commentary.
7:00
